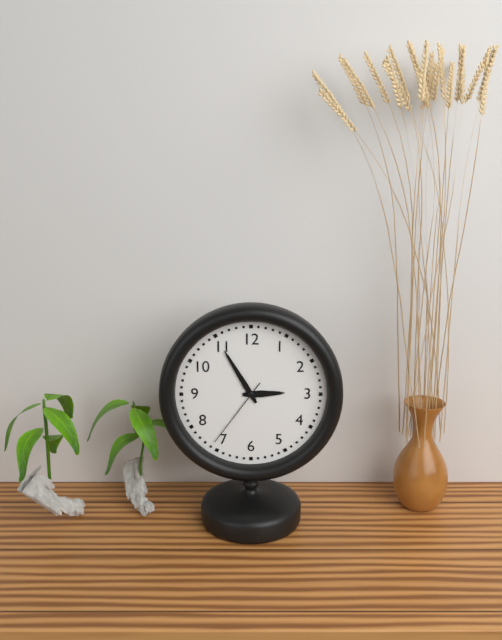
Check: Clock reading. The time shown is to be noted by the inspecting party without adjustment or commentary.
2:55:36
